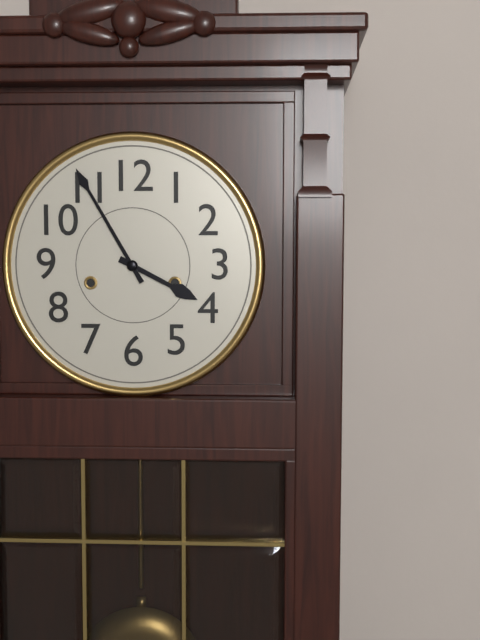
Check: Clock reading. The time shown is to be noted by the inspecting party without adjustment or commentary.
3:55
